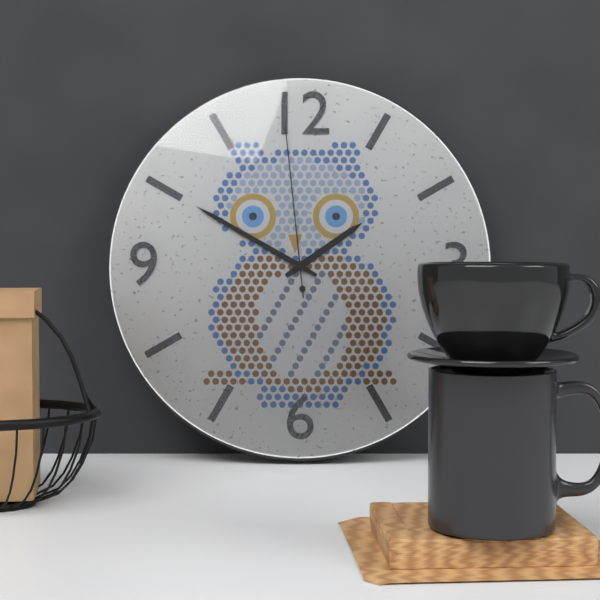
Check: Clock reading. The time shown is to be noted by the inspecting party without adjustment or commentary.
1:50:59
